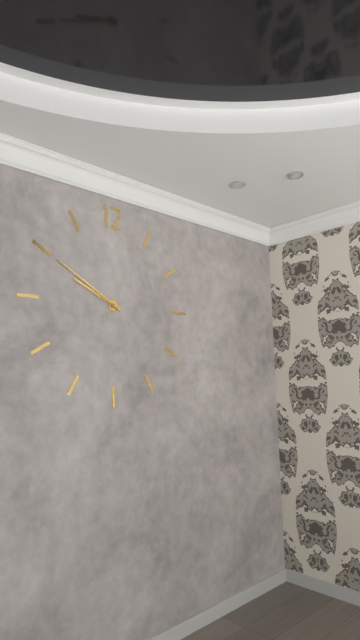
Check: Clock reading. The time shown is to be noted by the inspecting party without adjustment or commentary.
9:50
